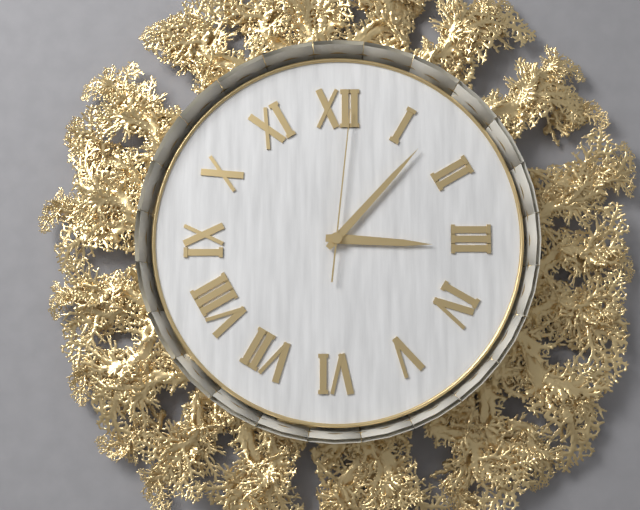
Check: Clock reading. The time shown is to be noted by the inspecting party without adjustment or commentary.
3:07:01
